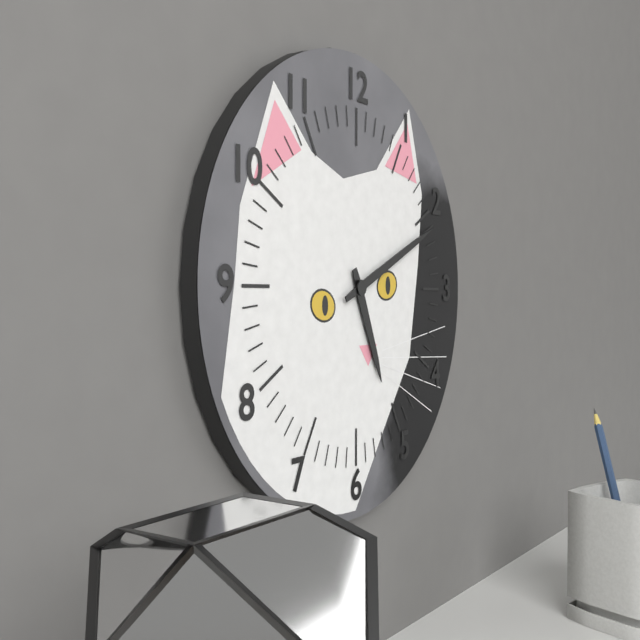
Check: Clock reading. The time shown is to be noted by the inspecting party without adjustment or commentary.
5:11
